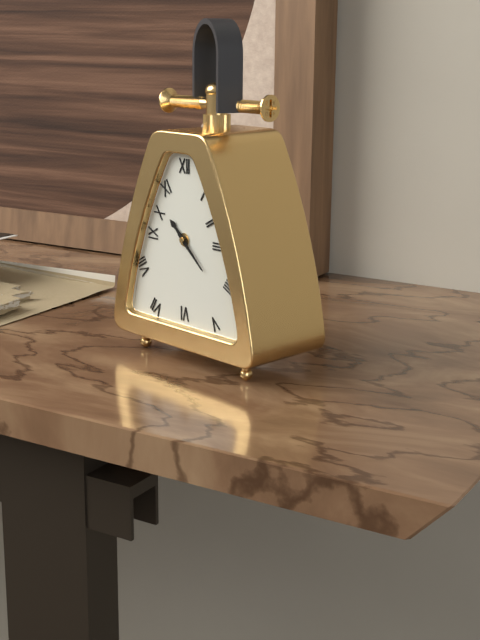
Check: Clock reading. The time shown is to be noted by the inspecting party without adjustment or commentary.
10:22
